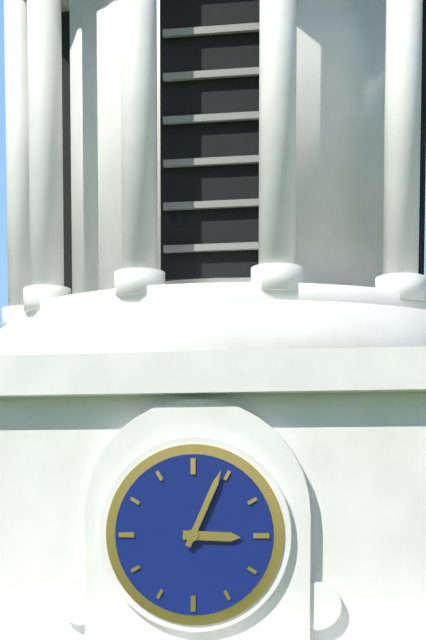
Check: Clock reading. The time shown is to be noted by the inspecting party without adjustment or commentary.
3:04
